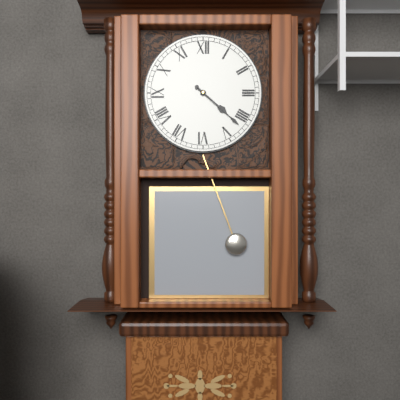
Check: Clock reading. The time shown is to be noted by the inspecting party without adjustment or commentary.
4:22
